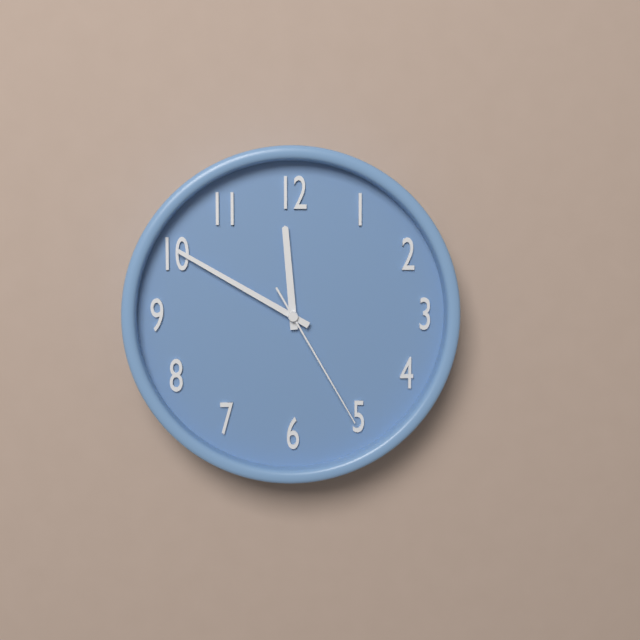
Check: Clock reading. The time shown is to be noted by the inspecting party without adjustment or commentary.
11:50:25
